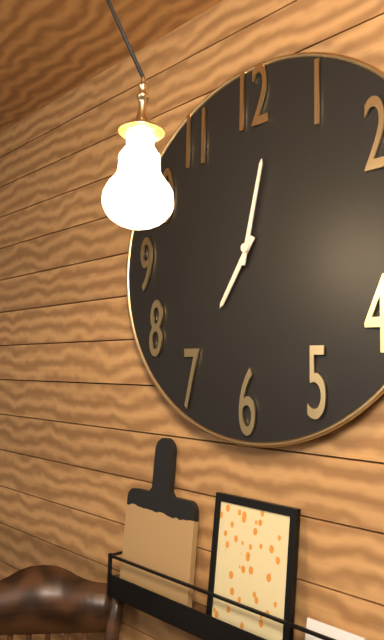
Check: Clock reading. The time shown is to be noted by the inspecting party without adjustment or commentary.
7:02
